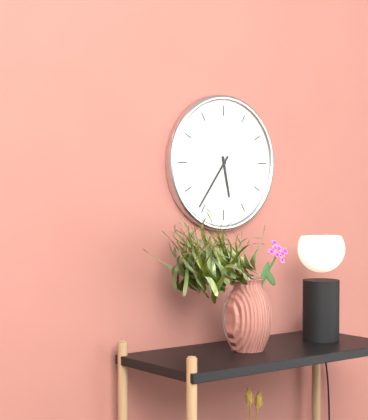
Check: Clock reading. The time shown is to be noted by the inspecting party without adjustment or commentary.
5:36
